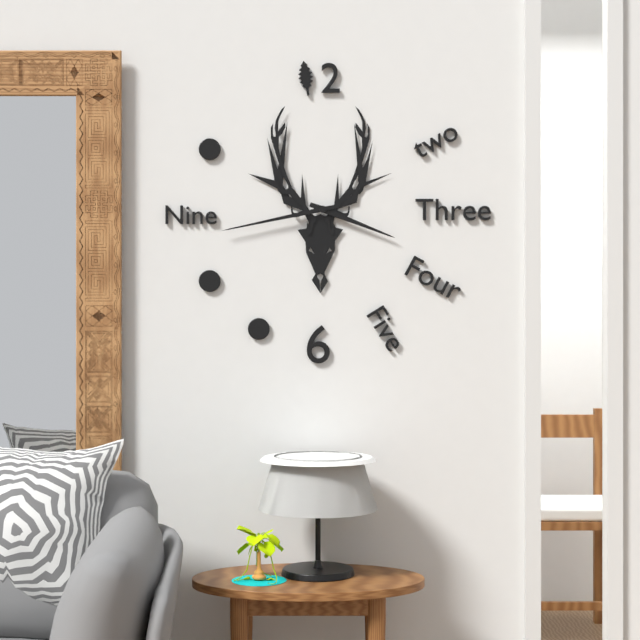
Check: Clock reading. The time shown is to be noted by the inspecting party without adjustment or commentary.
3:43
